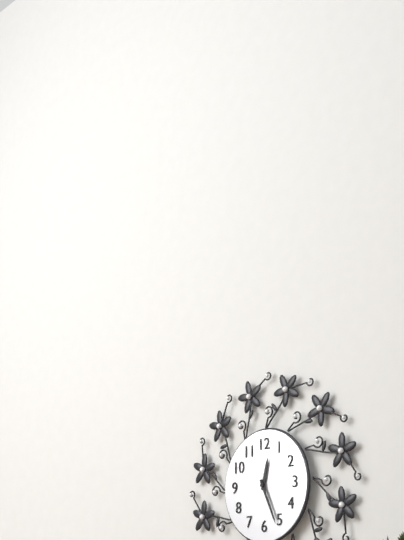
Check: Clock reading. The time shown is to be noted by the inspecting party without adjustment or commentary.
12:26
